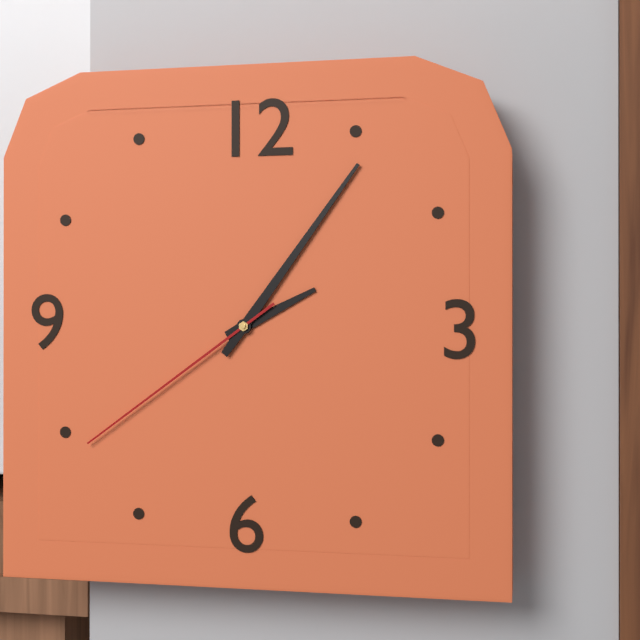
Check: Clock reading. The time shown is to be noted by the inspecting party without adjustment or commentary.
2:06:39
